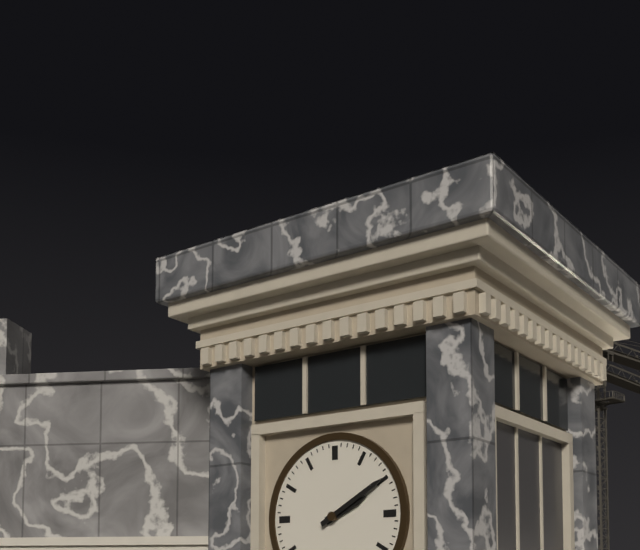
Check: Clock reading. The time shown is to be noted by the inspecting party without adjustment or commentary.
2:10
